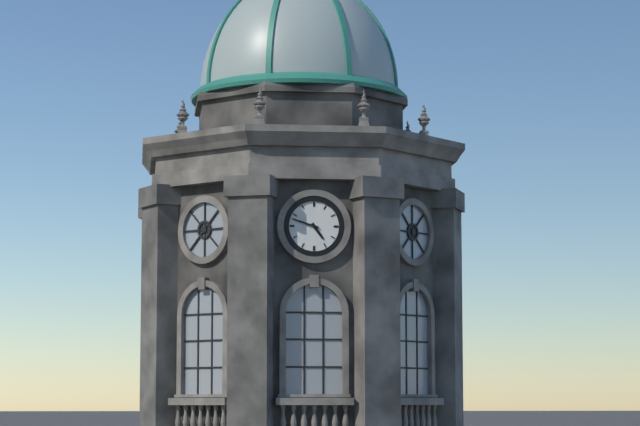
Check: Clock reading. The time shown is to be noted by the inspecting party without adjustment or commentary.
4:48
